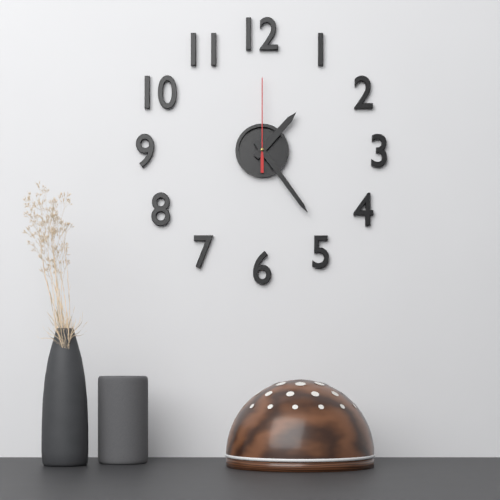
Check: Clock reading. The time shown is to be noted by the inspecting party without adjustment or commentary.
1:24:00
